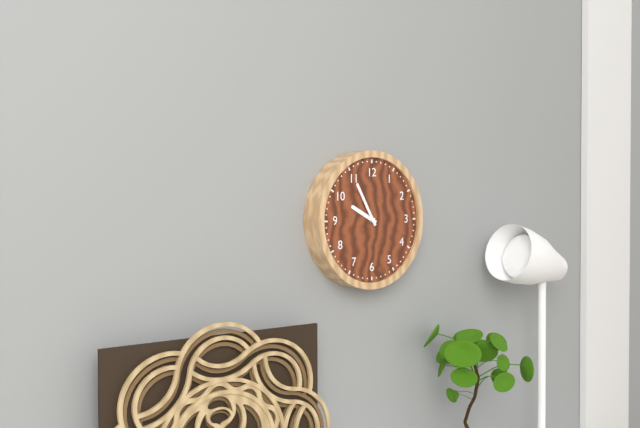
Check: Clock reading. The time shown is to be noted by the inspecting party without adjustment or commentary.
9:55
